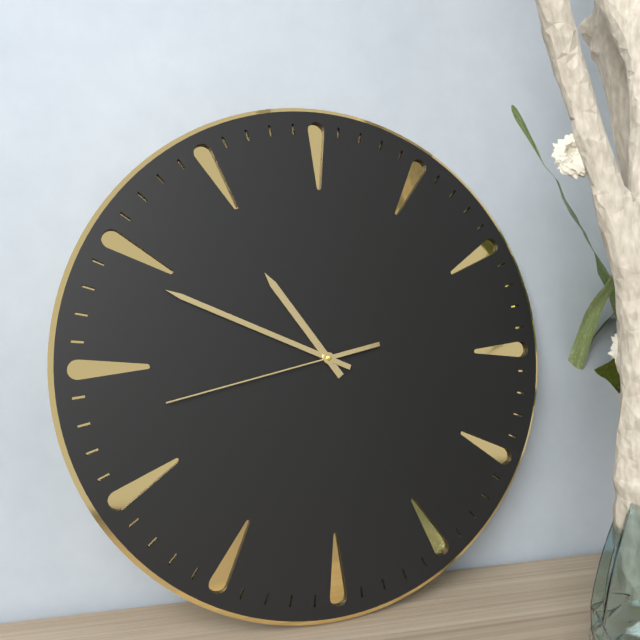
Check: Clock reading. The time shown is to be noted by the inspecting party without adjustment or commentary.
10:49:43
